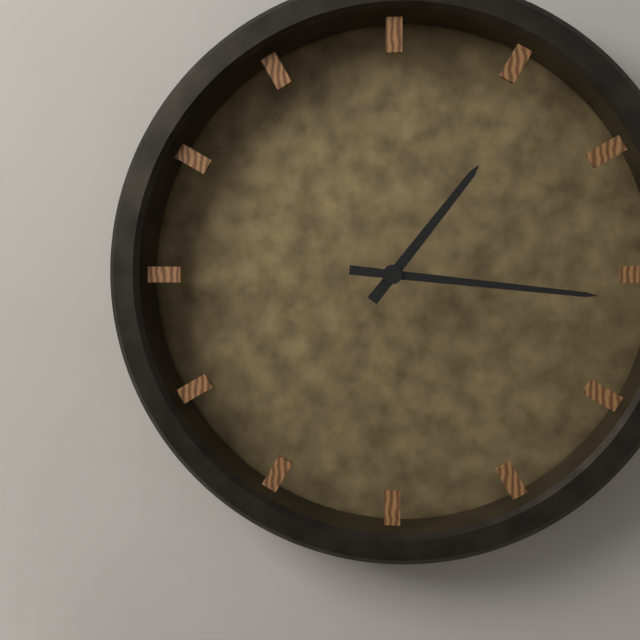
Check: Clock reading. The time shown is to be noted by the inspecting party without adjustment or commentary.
1:16
